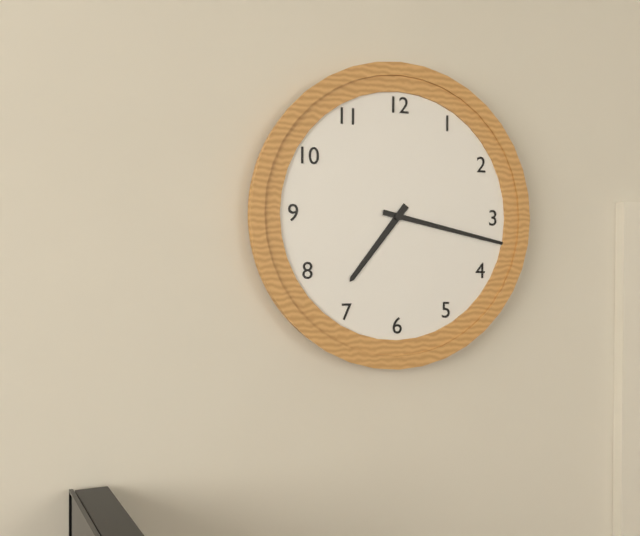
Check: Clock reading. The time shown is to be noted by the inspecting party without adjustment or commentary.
7:17
